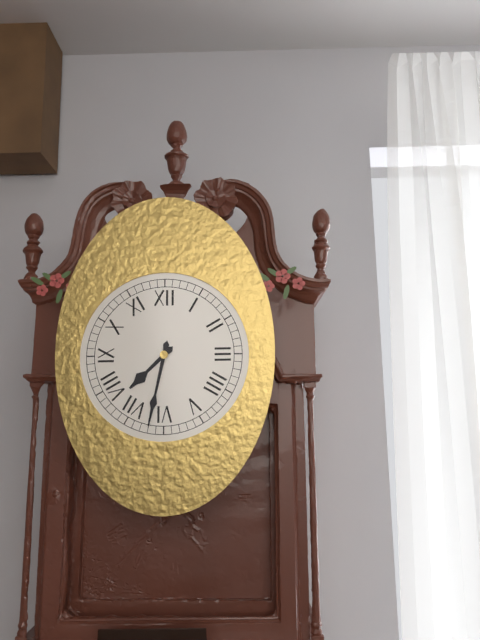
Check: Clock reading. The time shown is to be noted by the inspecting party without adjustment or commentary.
7:32
